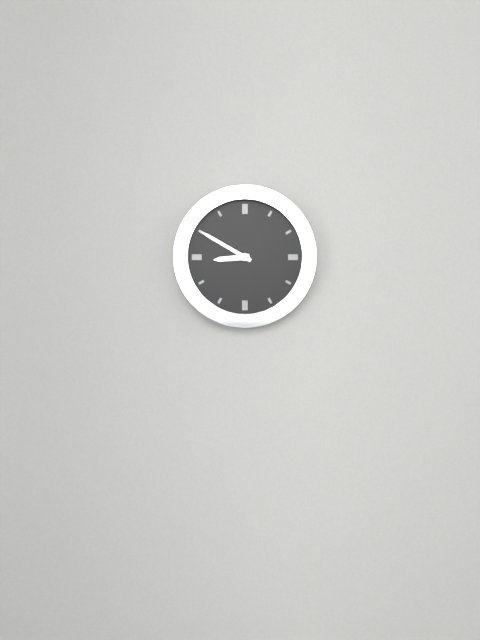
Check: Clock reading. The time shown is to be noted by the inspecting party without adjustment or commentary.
8:50
